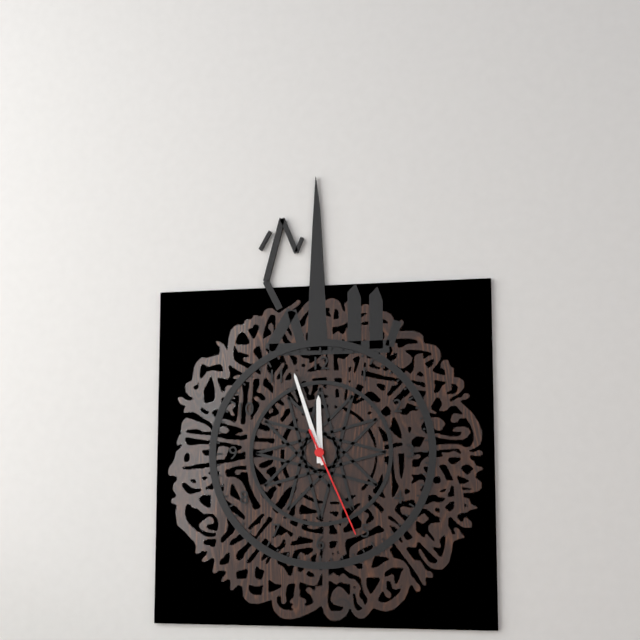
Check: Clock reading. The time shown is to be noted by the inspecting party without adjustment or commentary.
11:57:26
